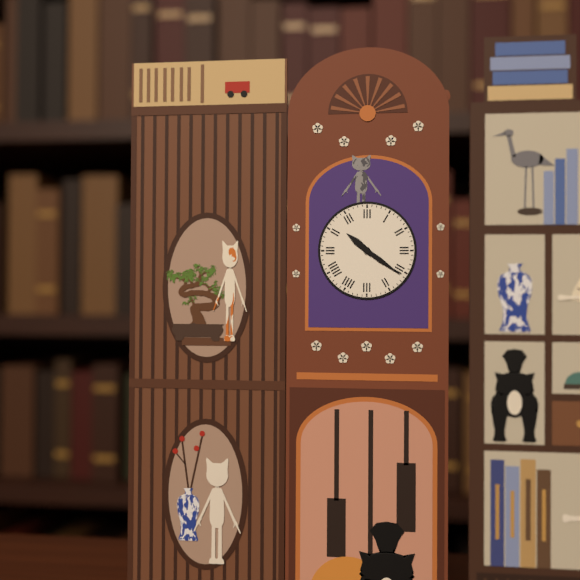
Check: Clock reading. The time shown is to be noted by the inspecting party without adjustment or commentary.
10:21
